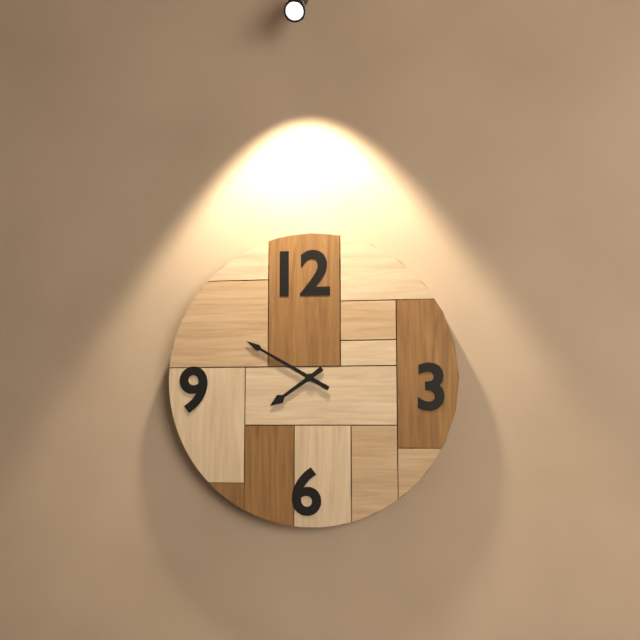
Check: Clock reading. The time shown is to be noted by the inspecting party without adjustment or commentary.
7:50
